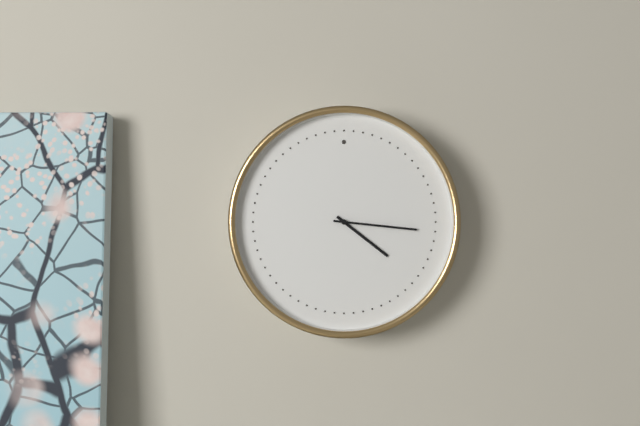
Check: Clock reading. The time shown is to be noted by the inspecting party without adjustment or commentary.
4:16
